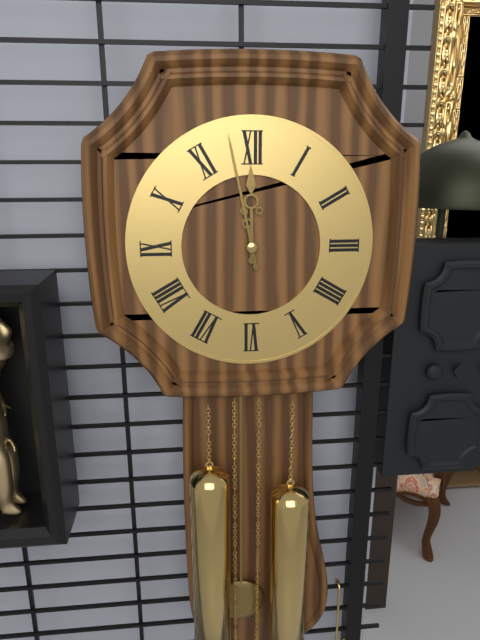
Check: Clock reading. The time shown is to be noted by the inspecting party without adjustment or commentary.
11:58
